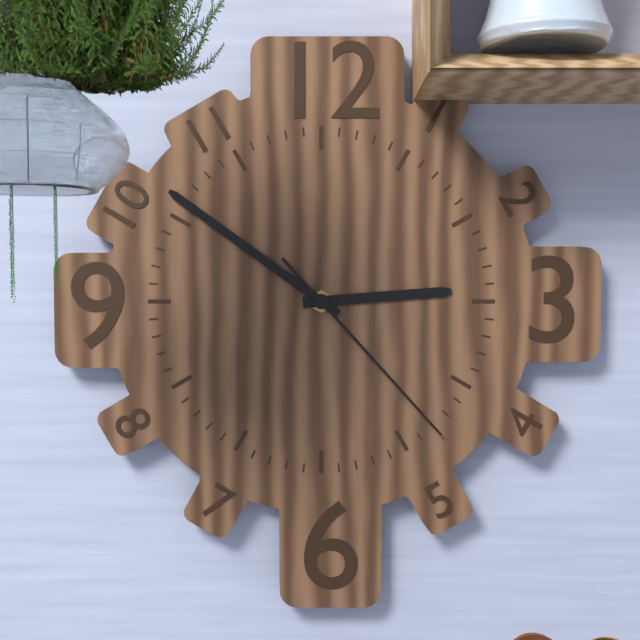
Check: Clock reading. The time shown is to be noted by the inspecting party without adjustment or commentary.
2:51:23
